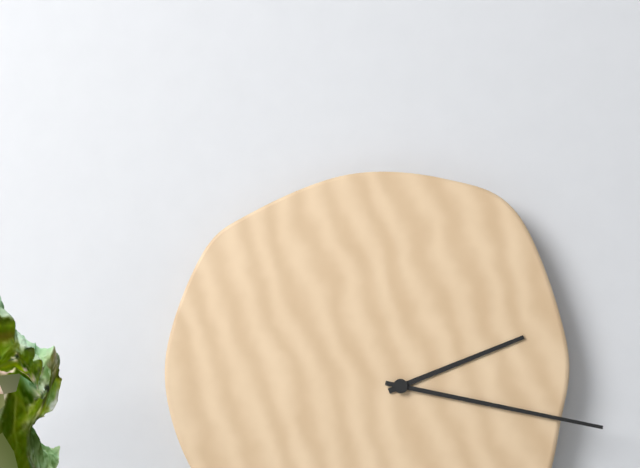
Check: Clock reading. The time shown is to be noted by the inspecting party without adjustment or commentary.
2:17
